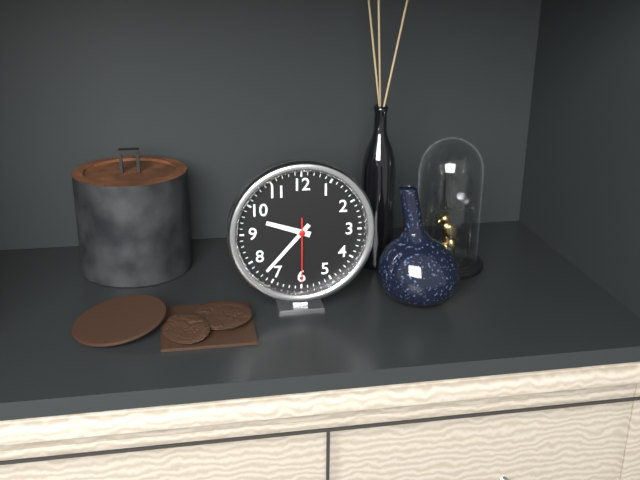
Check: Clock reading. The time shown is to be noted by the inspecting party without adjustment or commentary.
9:37:30
